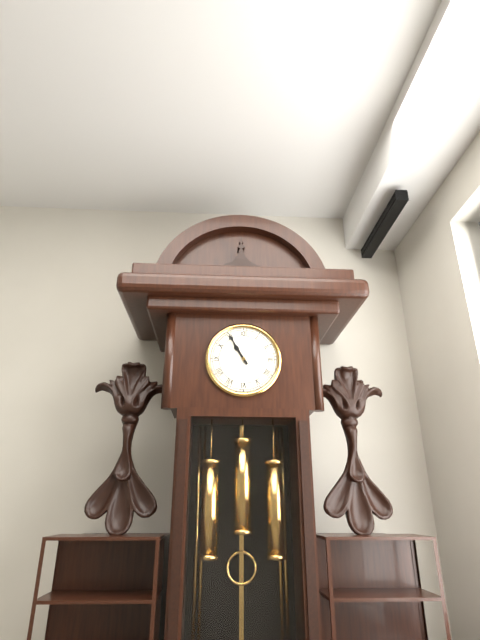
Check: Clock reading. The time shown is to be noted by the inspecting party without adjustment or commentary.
10:55
